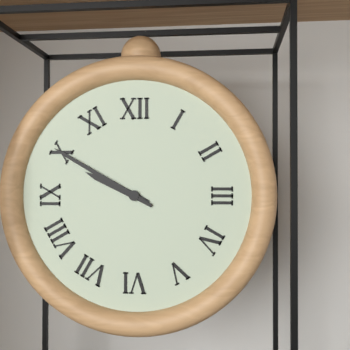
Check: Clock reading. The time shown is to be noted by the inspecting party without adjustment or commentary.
9:50
